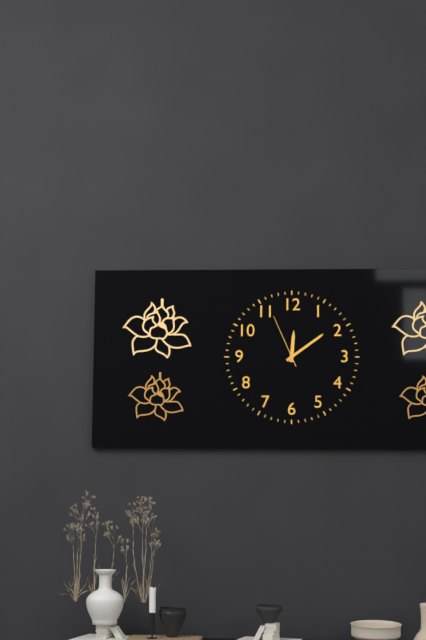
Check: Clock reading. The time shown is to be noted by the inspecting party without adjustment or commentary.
12:09:56
